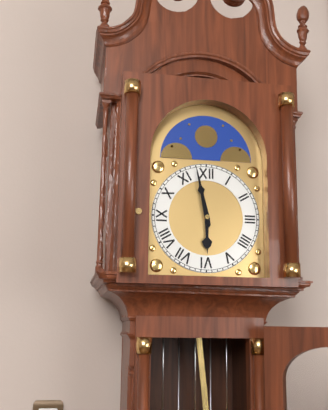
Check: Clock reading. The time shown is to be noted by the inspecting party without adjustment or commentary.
5:58
